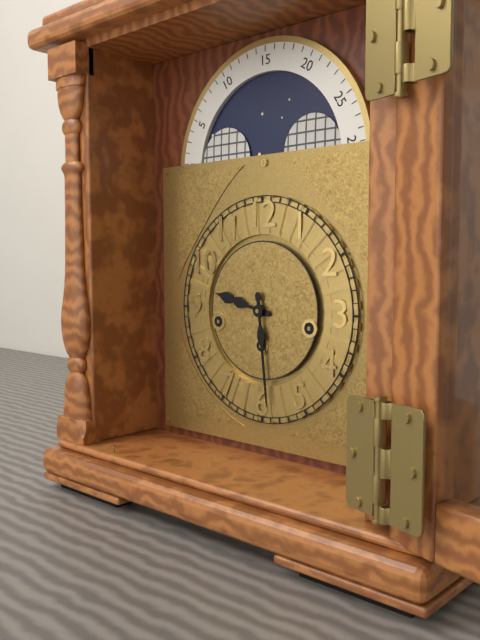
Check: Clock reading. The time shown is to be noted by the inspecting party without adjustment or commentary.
9:29
